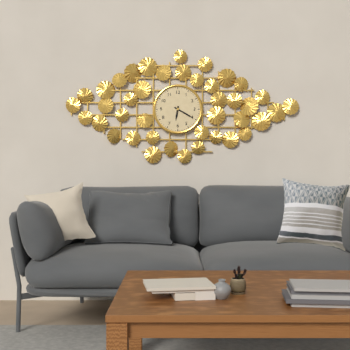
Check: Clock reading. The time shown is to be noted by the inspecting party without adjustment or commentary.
6:20
